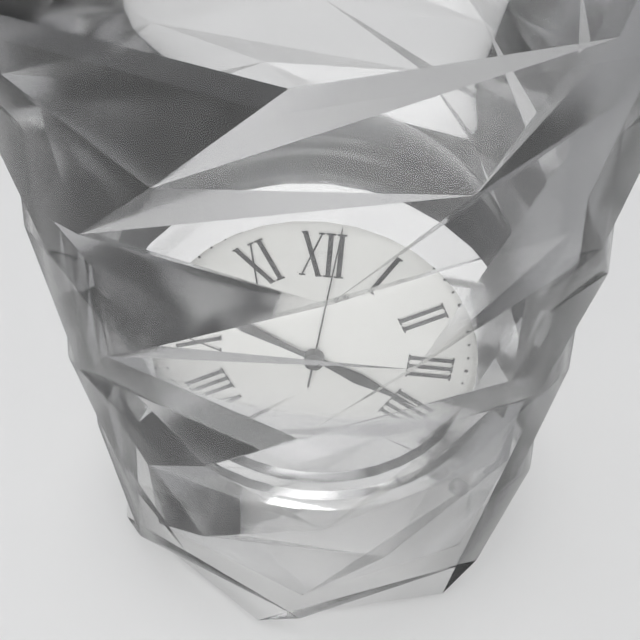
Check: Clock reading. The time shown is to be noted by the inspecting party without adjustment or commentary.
3:49:01
